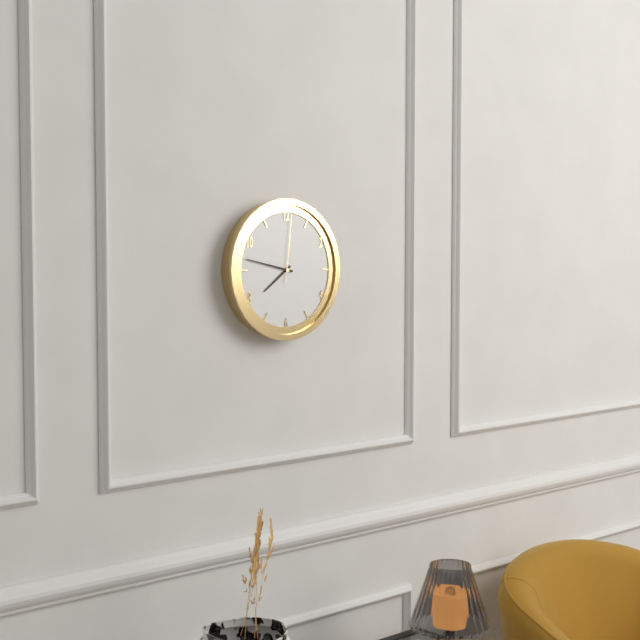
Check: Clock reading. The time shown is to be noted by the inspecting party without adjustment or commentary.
7:47:01
